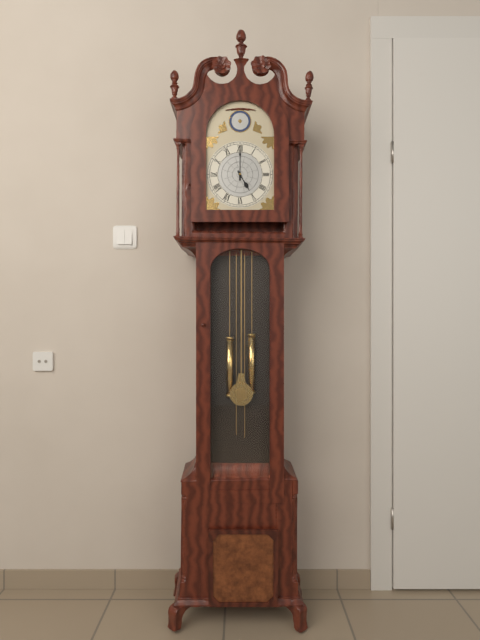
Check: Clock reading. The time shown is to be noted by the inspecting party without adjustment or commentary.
5:00
